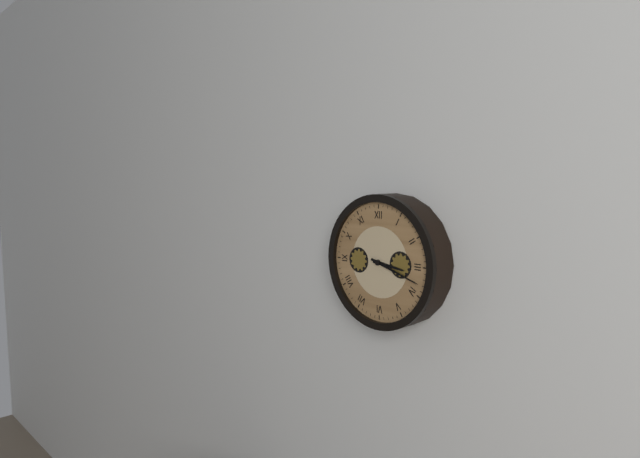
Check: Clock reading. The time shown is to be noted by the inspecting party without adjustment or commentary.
3:18
